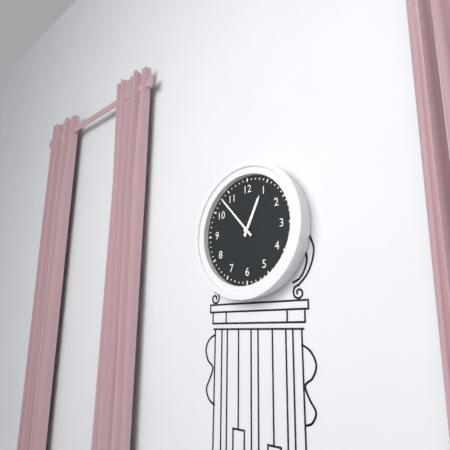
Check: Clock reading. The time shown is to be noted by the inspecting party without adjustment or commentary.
12:53
